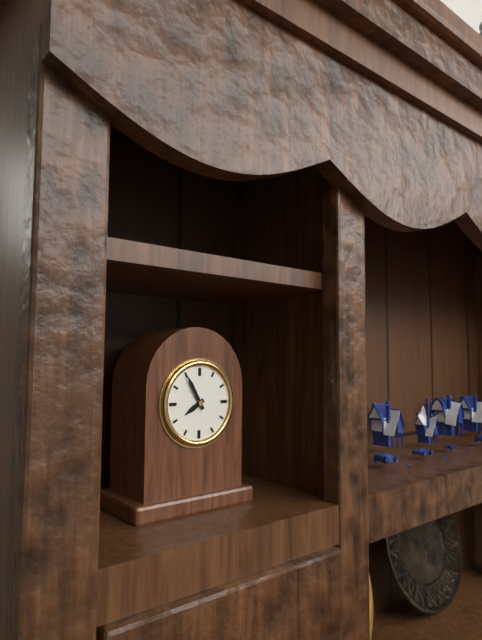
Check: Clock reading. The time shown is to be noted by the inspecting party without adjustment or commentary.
7:55
